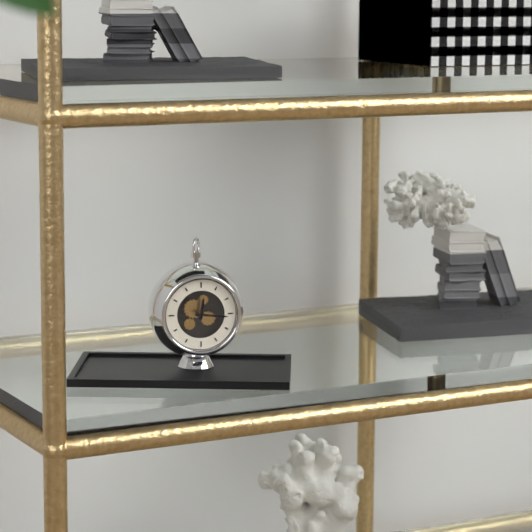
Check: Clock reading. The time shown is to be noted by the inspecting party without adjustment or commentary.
12:16
